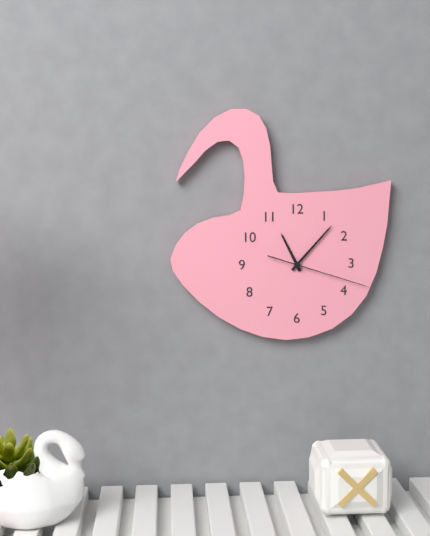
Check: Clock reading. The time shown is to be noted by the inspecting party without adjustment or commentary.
11:07:18
